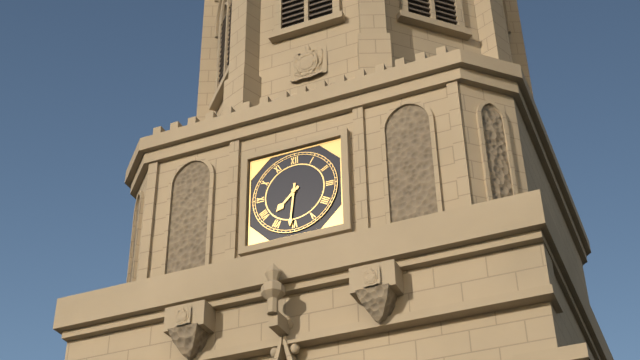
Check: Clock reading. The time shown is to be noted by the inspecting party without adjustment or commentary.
7:31
